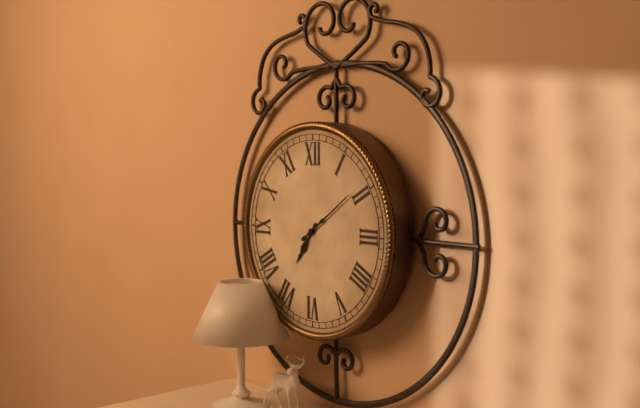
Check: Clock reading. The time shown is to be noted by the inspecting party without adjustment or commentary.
7:09
